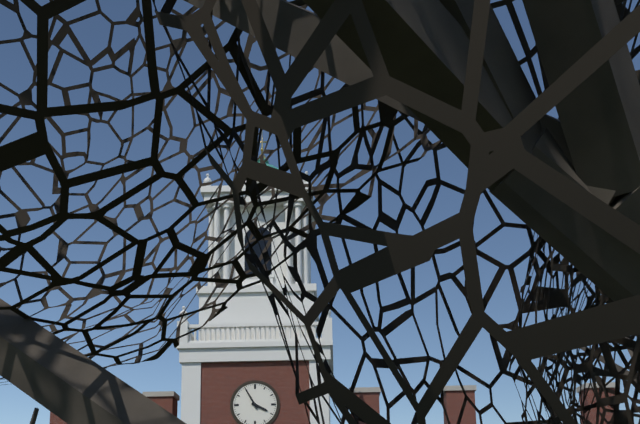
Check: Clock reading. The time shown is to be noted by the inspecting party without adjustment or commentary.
3:55
